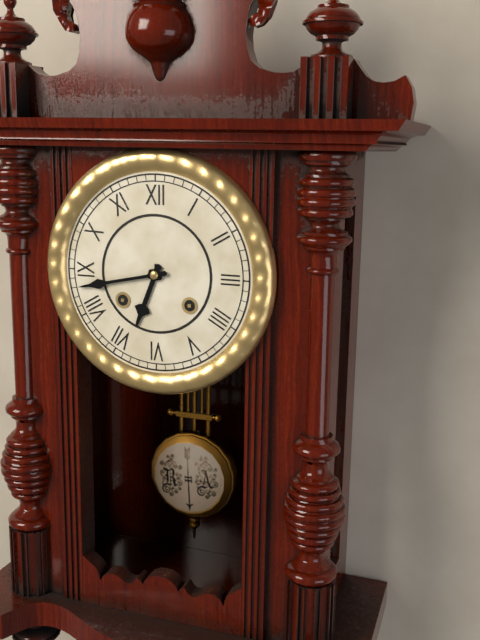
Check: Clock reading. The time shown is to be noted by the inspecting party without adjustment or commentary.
6:43
